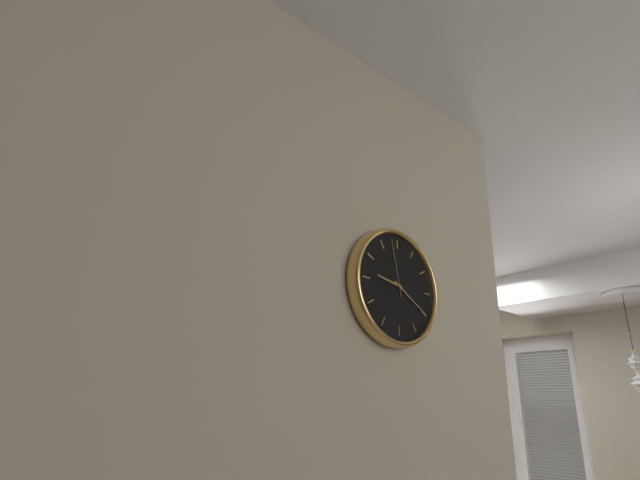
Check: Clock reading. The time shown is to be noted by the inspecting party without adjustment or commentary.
9:20:58
